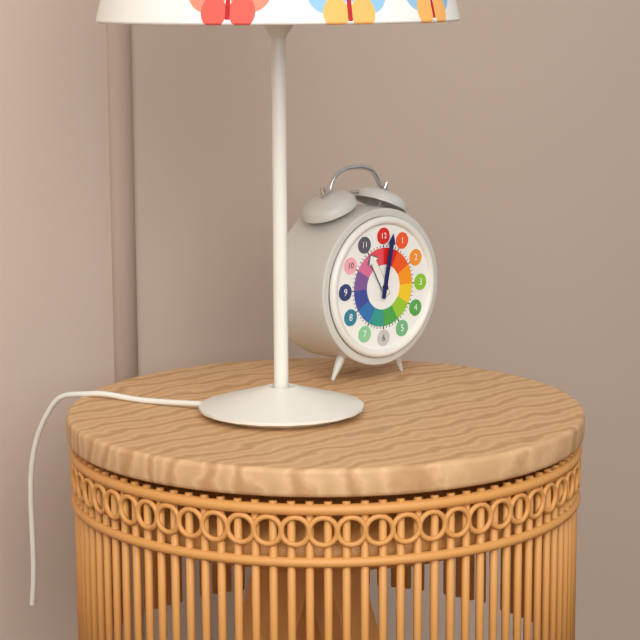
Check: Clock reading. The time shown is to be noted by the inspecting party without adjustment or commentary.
11:02
